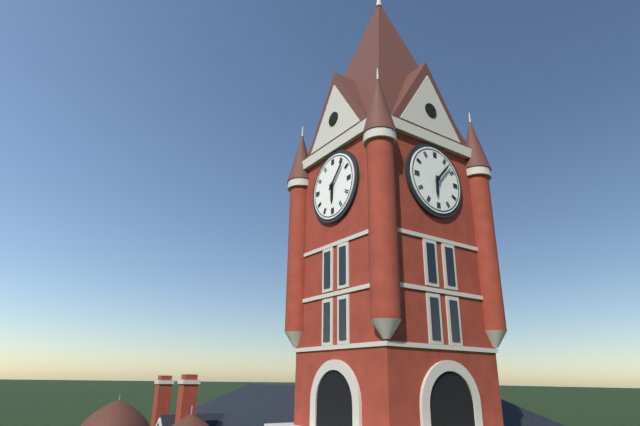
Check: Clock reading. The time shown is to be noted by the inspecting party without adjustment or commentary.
6:07
